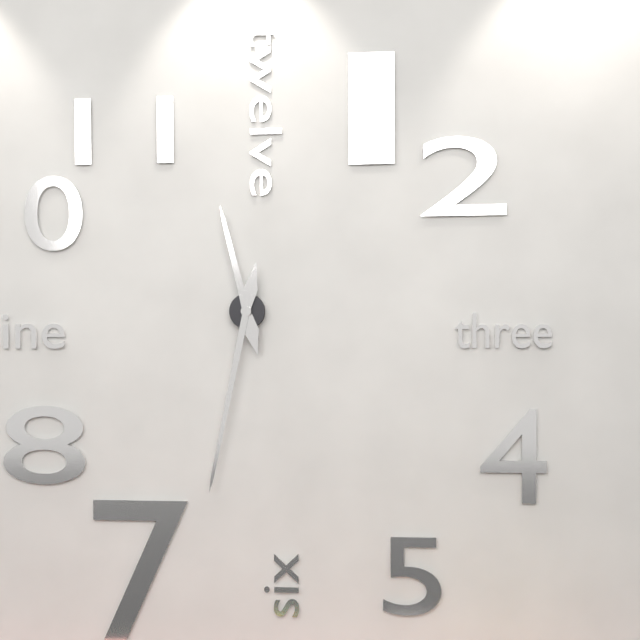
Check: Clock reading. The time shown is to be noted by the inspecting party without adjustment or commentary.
11:32
